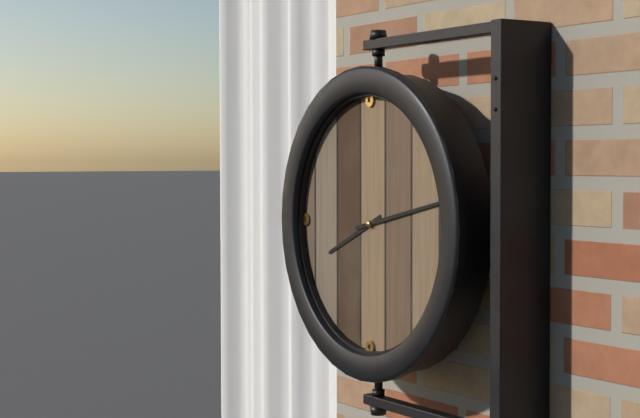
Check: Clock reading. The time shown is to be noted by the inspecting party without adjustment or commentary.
8:13
